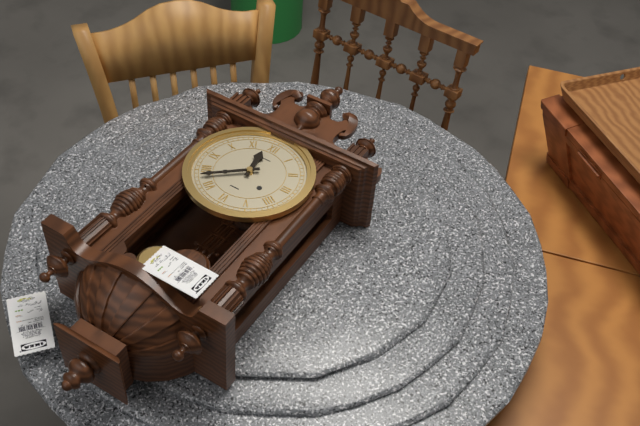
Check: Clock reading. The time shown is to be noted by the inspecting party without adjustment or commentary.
11:38
